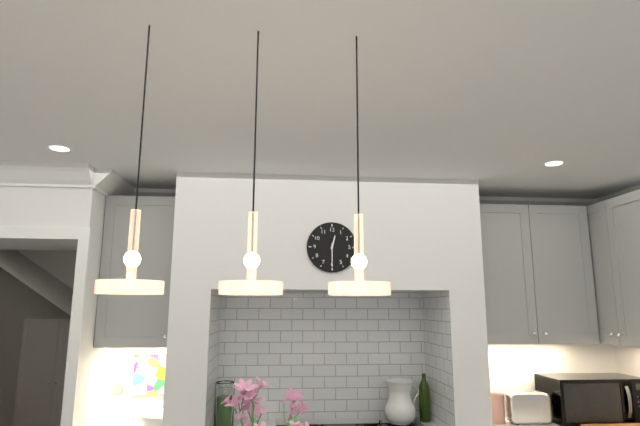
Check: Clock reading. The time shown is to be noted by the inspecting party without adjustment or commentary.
12:30
